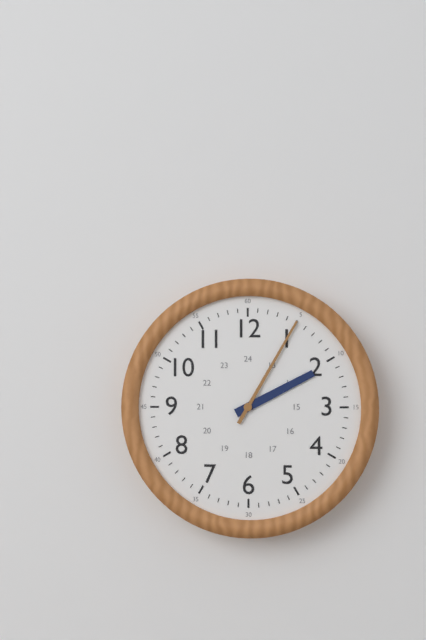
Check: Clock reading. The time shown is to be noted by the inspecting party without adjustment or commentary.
2:05
